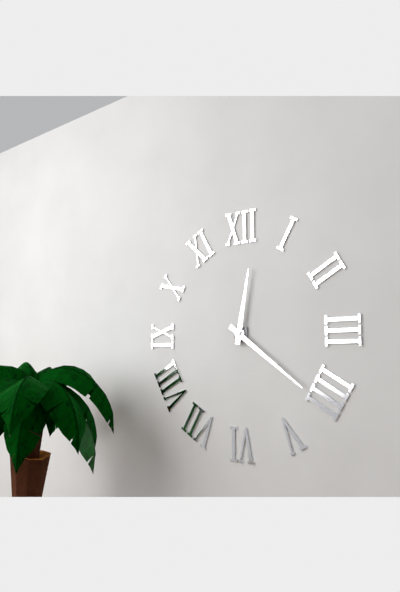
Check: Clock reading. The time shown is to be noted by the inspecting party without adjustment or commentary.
12:21
